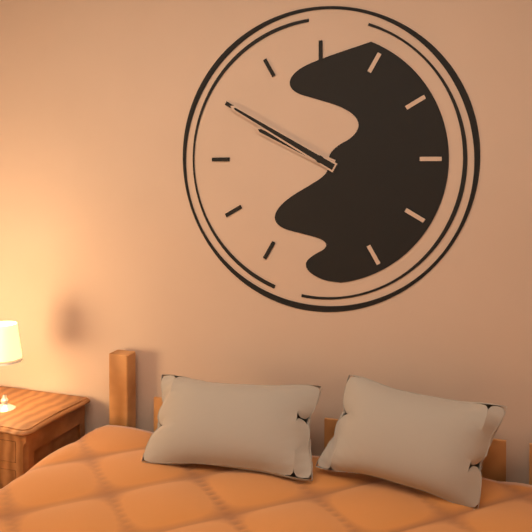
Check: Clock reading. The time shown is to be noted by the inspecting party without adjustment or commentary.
9:50
